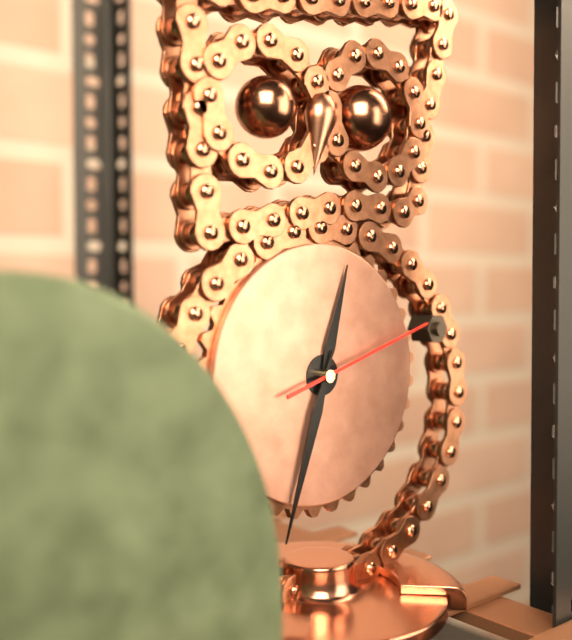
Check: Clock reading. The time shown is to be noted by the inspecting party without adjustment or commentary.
12:33:12
